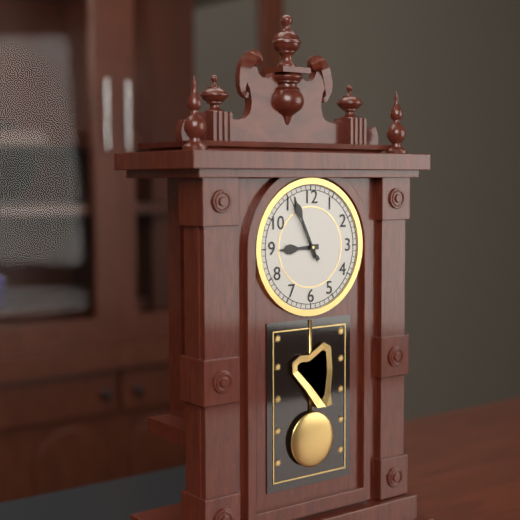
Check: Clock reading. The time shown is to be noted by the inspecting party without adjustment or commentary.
8:56:55
